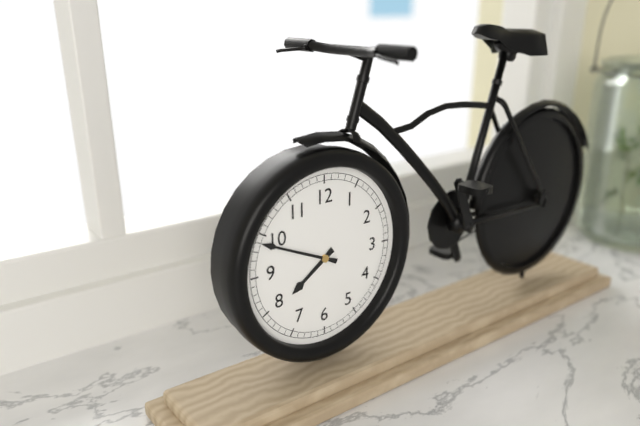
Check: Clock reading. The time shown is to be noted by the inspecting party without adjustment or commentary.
7:49
